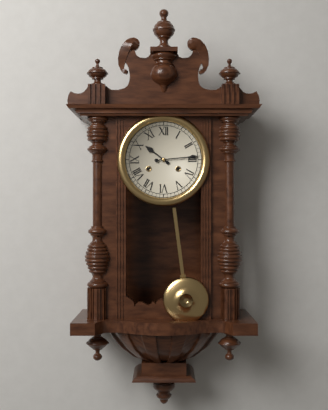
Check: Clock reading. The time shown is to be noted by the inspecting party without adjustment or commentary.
10:14
